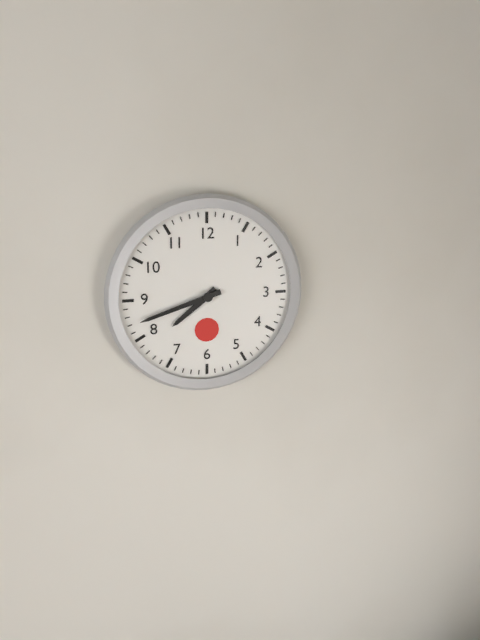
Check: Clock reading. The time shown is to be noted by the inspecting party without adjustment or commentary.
7:42
